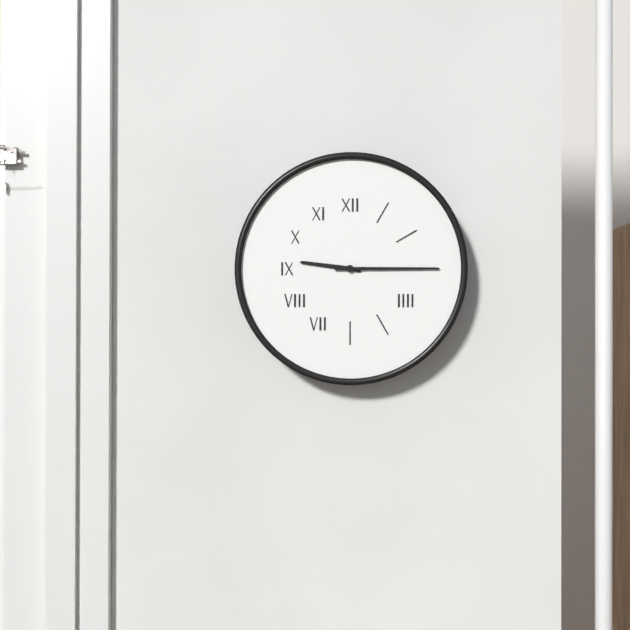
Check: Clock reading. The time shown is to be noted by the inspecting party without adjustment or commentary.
9:15
